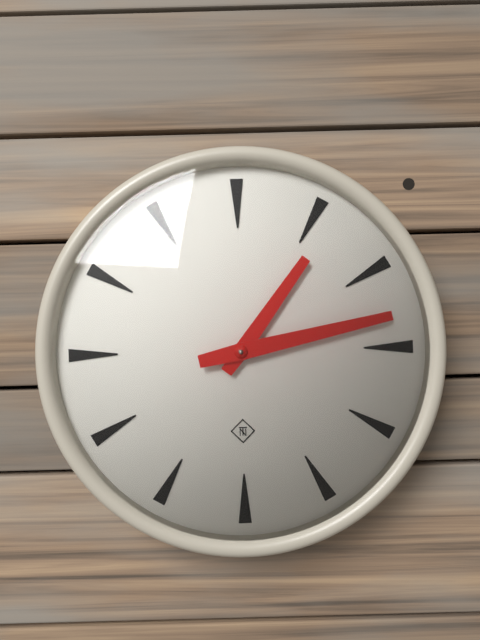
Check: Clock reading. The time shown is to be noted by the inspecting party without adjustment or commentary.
1:13
